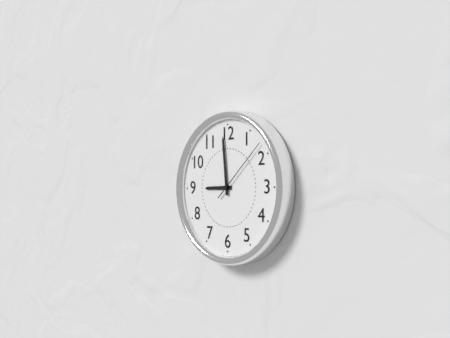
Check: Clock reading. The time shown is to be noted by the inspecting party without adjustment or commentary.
8:59:08
